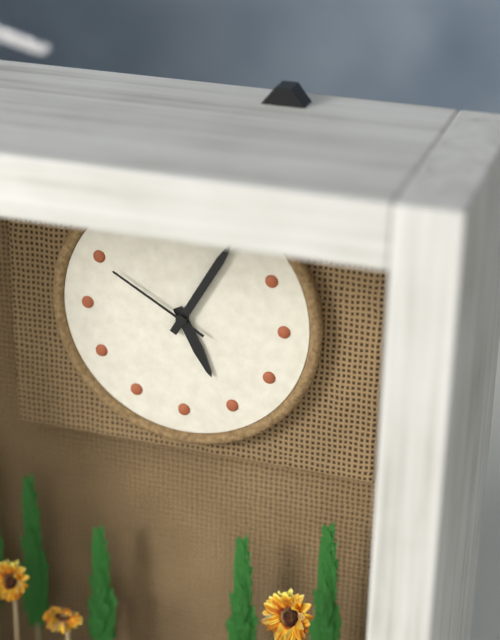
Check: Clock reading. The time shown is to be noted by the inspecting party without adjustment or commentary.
5:05:50
